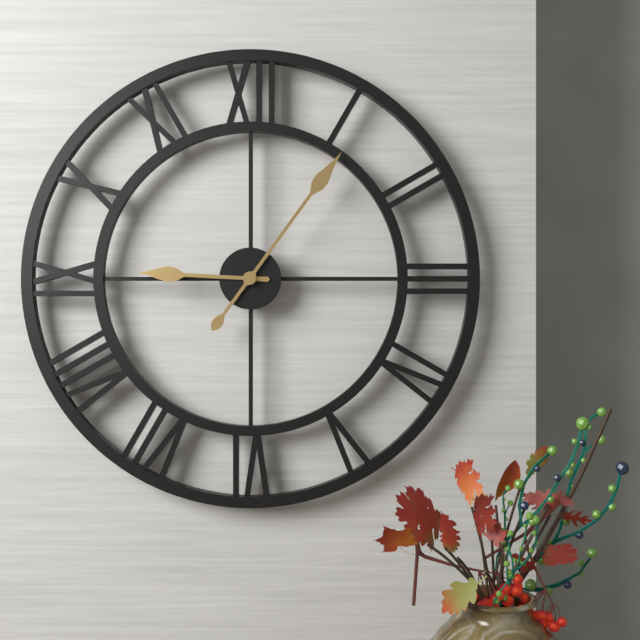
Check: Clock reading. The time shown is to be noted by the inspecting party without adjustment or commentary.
9:06
